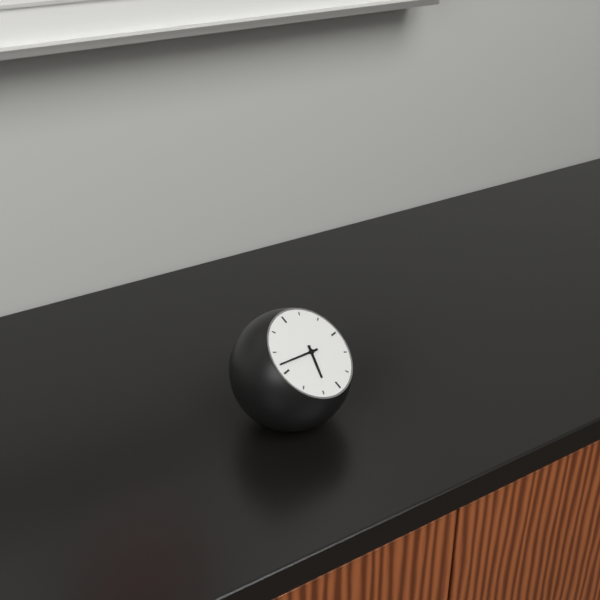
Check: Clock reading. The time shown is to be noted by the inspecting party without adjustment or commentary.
6:47
